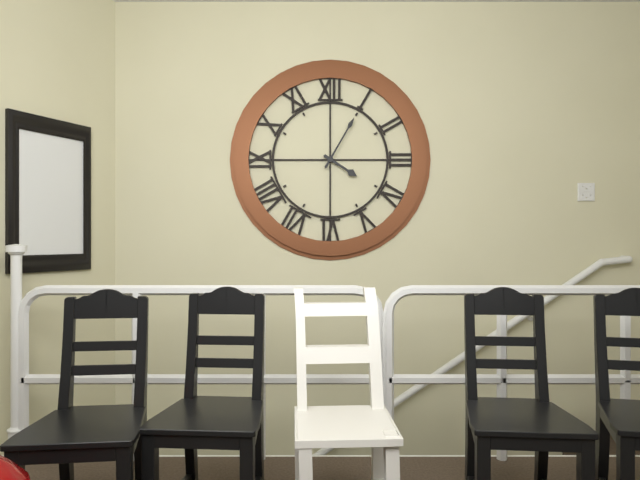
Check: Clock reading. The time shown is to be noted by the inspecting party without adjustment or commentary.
4:05
